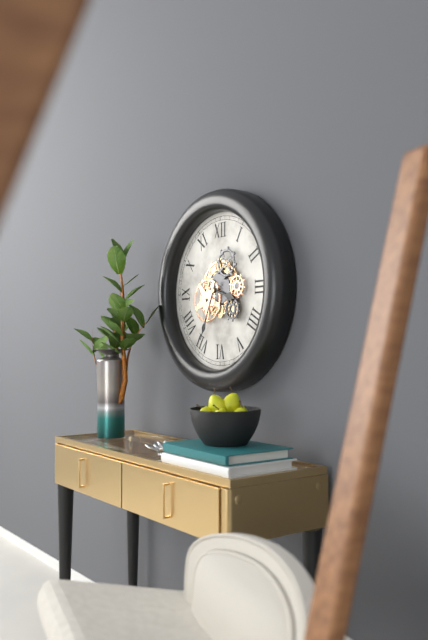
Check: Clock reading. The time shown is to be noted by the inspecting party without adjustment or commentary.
3:34
